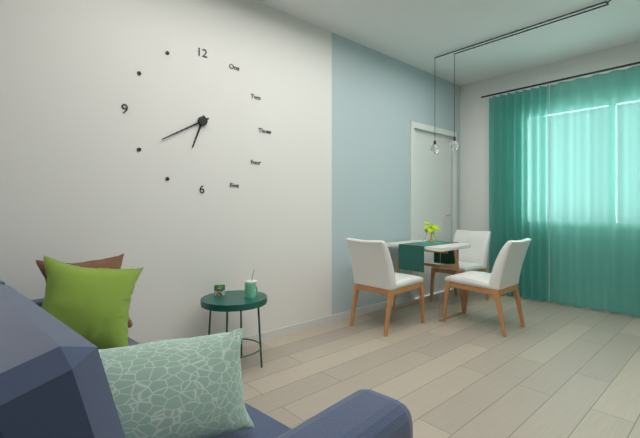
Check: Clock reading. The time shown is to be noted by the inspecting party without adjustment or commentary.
6:40
